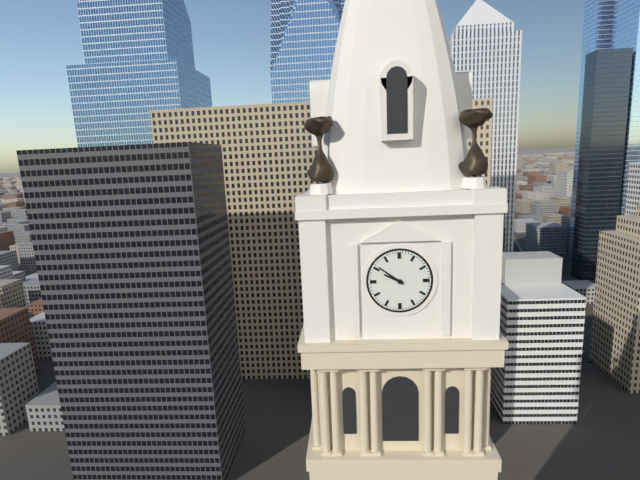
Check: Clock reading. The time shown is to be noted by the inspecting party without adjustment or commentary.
9:51
